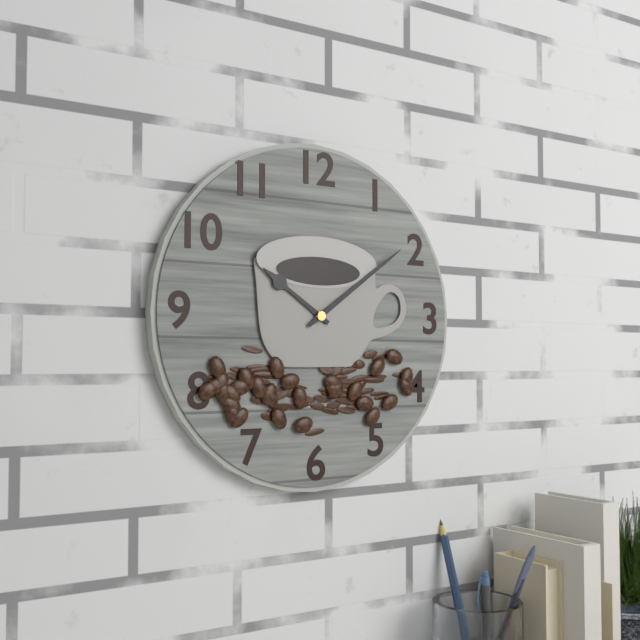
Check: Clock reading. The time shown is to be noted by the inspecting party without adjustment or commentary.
10:09
